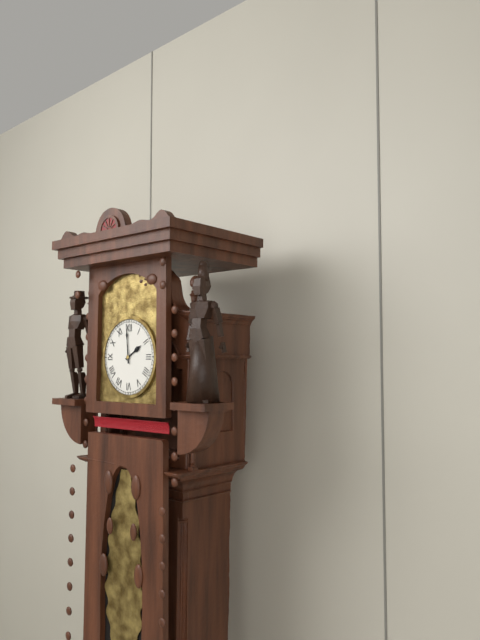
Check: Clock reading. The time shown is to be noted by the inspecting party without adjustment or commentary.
1:59
